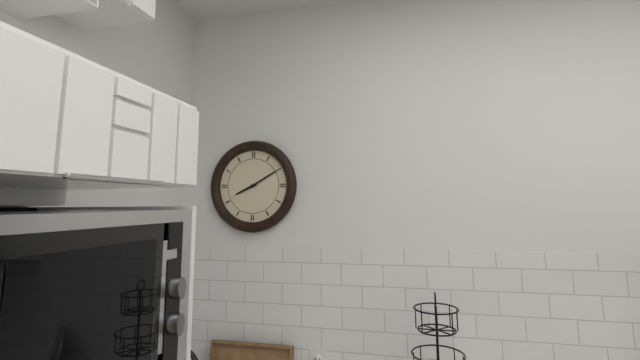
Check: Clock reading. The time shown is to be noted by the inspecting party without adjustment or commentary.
8:10
